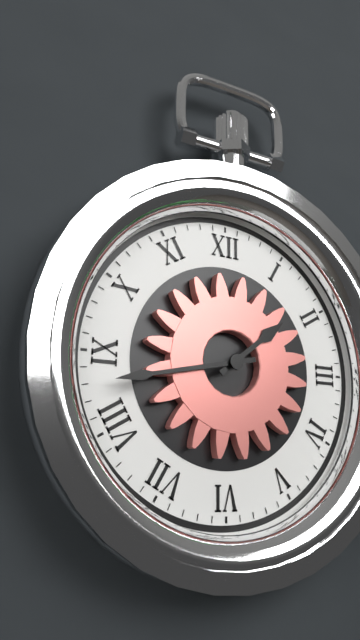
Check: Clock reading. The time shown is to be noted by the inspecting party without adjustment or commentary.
1:43
